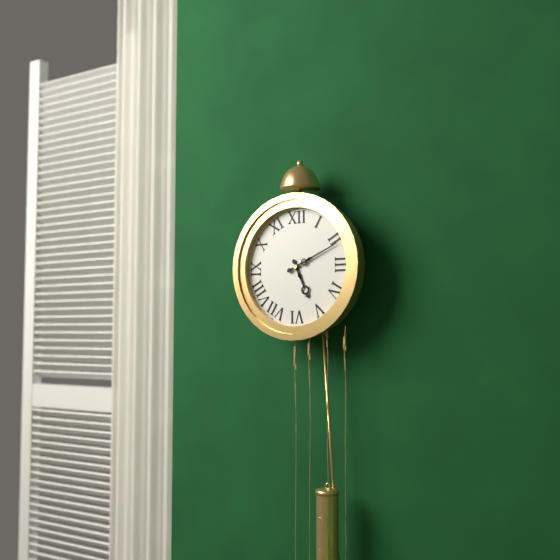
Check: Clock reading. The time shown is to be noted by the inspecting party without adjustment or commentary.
5:11
